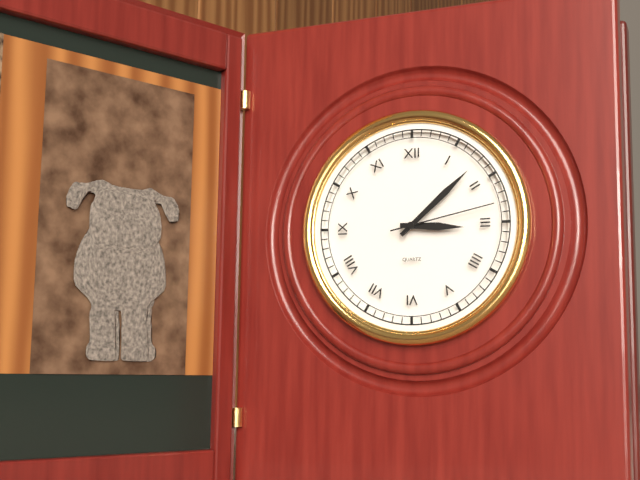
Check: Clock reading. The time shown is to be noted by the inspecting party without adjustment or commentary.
3:08:13
